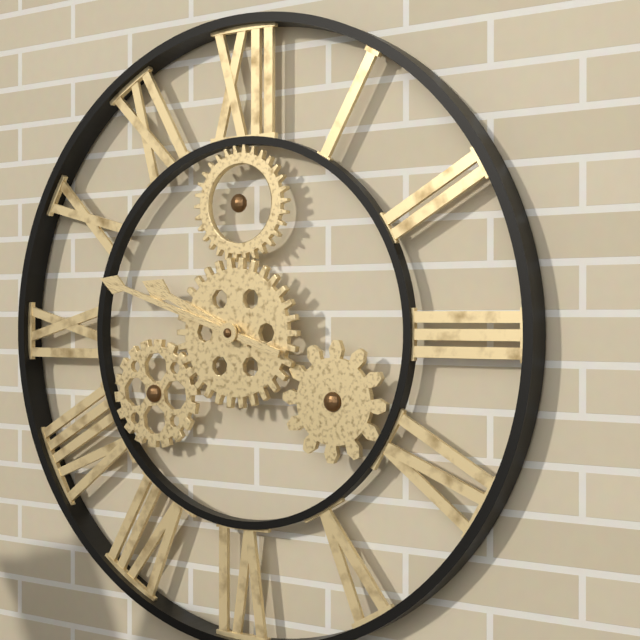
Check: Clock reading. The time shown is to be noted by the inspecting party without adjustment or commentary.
9:48
